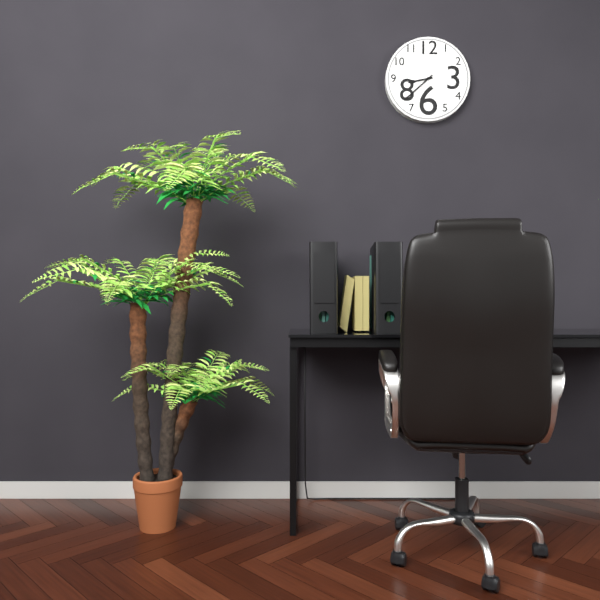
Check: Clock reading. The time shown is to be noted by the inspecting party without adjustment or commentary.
8:38
